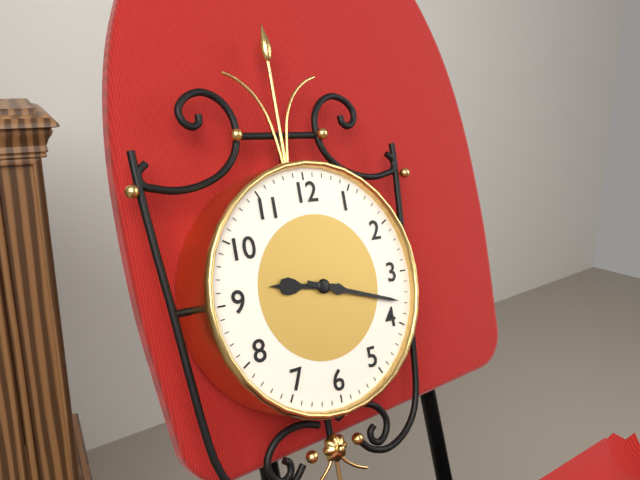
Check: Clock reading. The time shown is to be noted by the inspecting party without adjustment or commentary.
9:18
